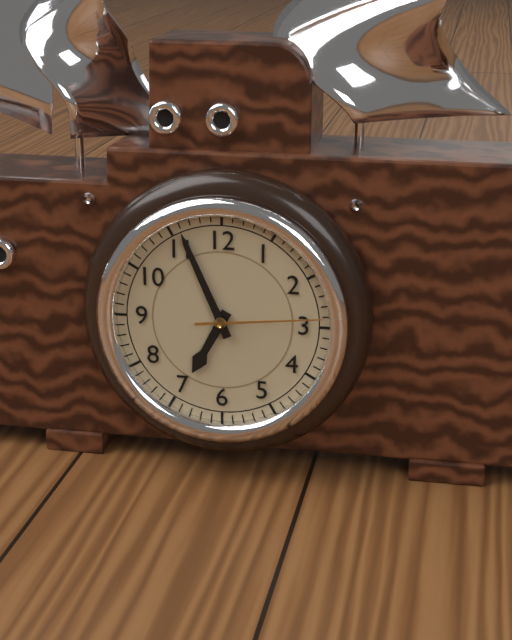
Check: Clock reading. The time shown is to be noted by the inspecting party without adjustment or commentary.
6:56:14
